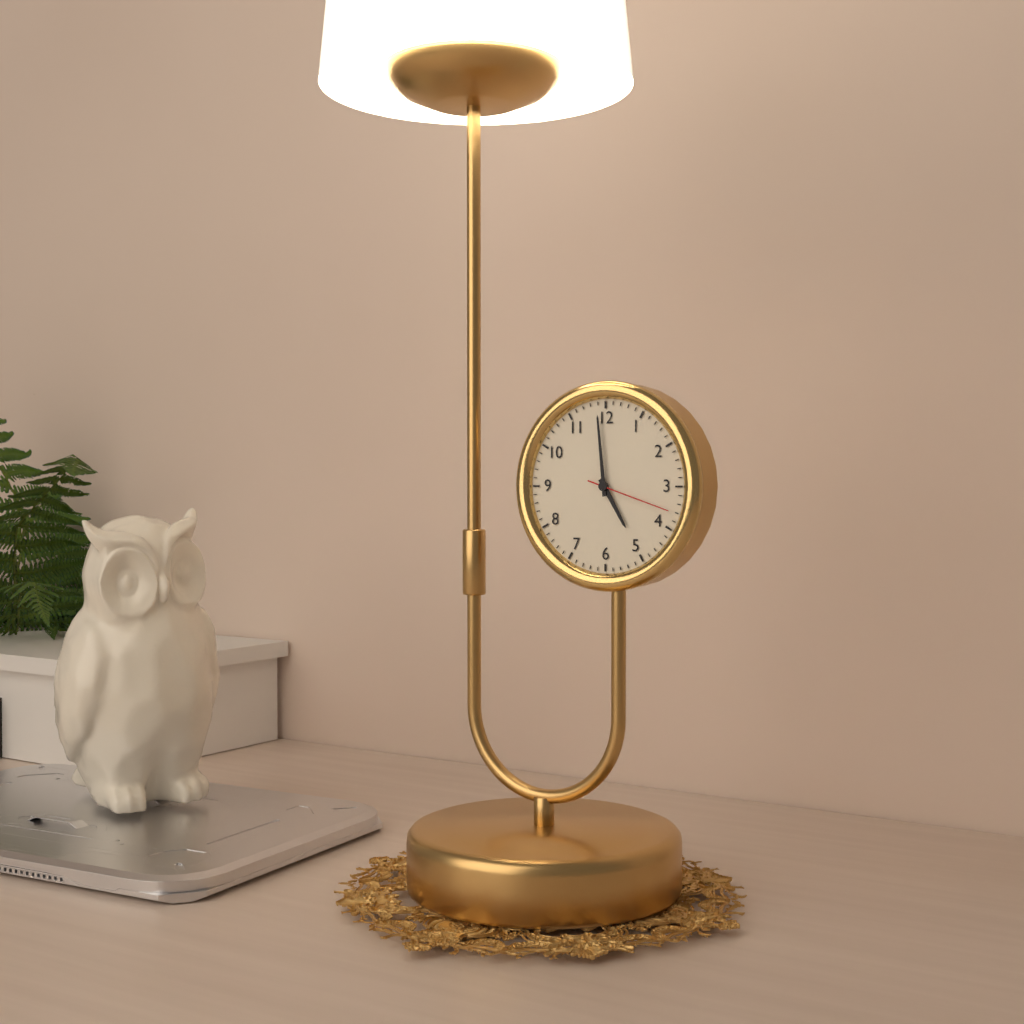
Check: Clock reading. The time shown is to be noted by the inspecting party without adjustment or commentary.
4:59:18
